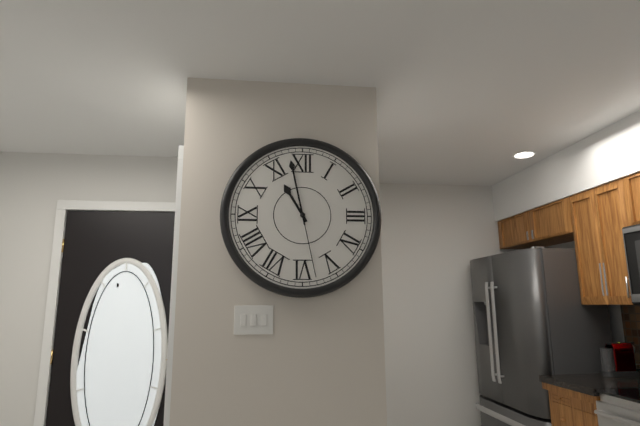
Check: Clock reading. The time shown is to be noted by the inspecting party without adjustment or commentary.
10:58:28
